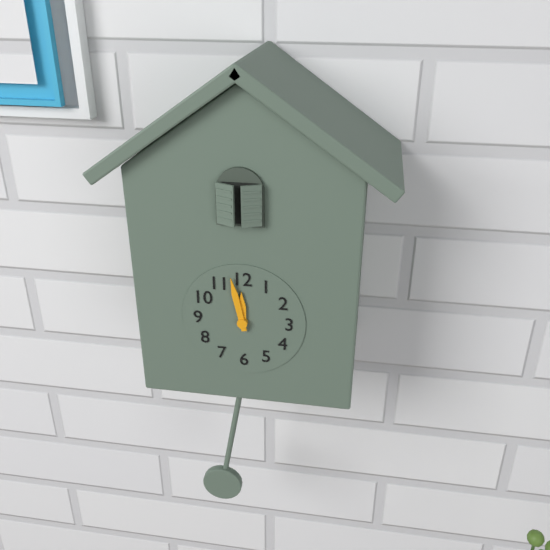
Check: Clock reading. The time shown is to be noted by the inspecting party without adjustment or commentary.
11:58
